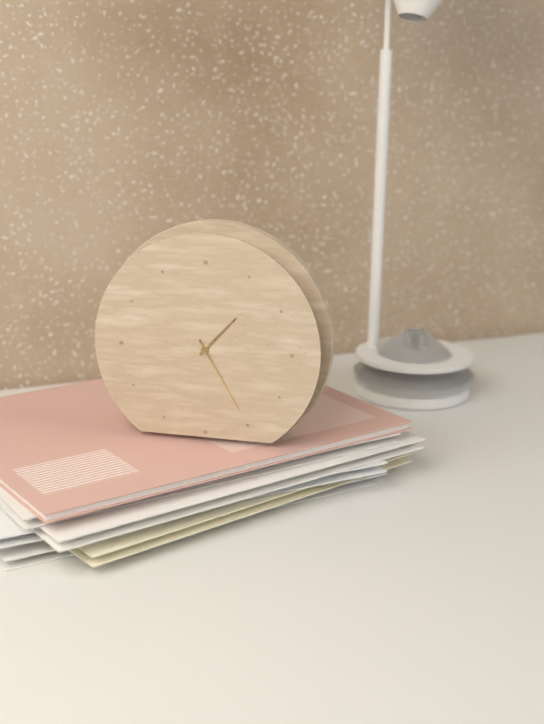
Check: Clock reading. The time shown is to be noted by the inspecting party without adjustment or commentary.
1:25
